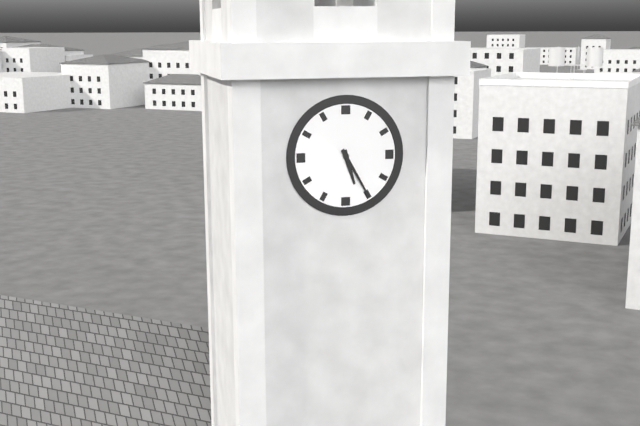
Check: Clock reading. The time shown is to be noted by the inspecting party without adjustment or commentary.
5:25
